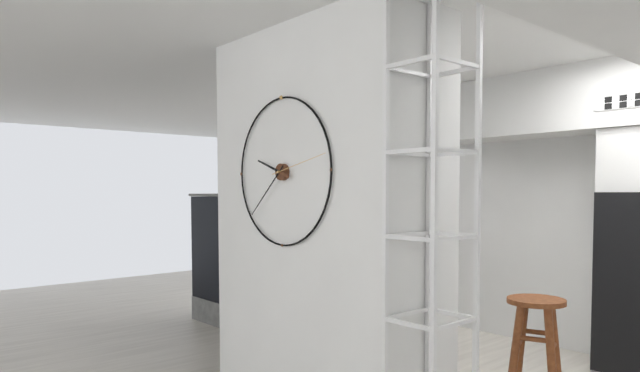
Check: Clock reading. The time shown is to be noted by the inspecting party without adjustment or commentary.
9:38:13
